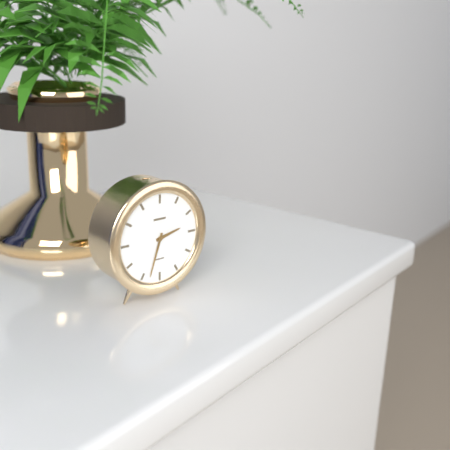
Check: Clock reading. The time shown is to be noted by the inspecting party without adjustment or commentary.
2:33
